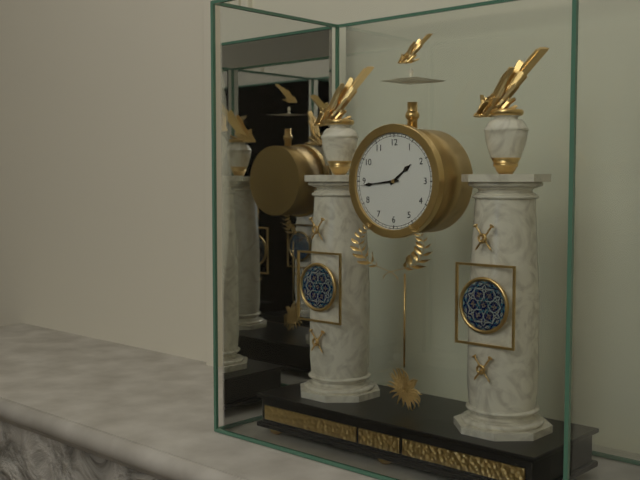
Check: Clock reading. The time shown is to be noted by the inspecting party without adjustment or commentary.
1:44
